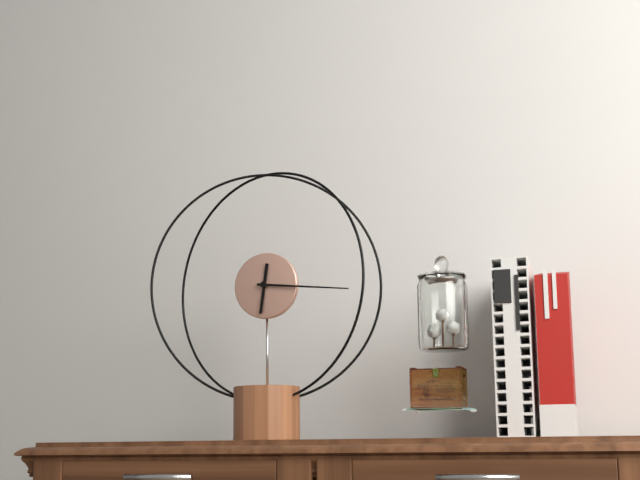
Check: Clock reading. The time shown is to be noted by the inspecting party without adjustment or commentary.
6:16
